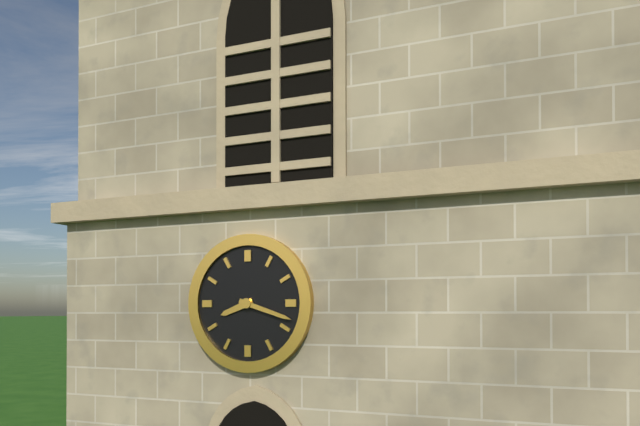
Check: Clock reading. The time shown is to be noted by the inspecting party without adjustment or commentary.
8:18
